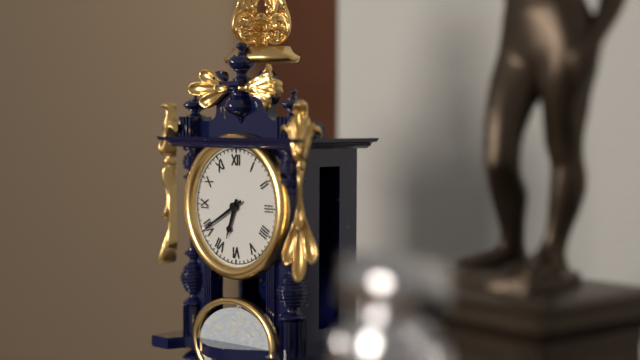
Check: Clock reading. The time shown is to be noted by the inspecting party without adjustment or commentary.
6:40
